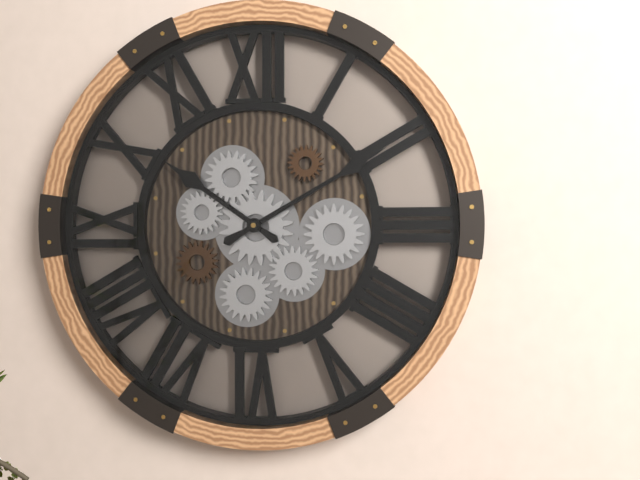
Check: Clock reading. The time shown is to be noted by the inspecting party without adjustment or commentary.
10:10
